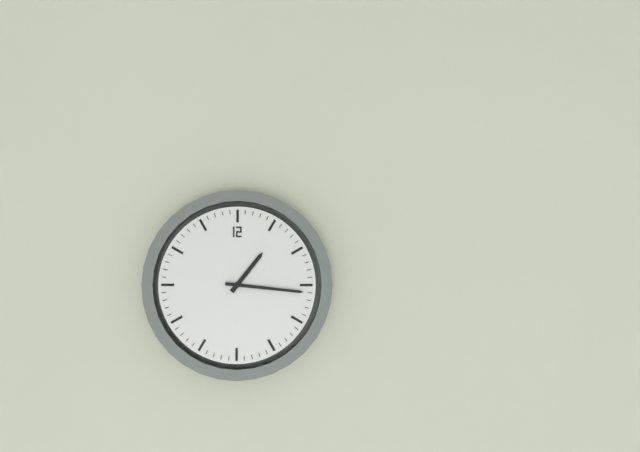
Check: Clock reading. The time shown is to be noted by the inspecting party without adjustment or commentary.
1:16
